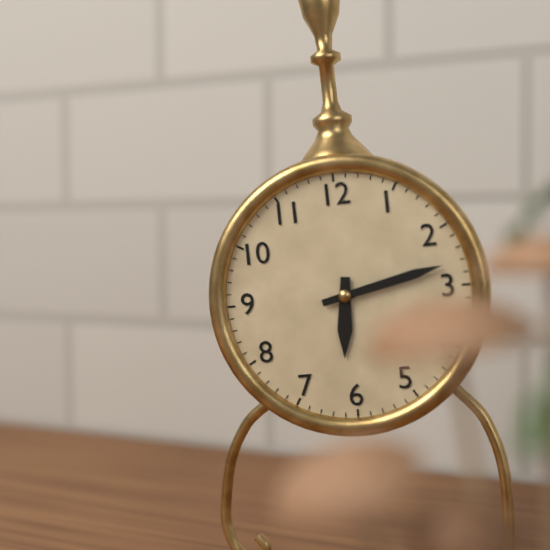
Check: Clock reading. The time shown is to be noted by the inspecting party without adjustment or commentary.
6:13
